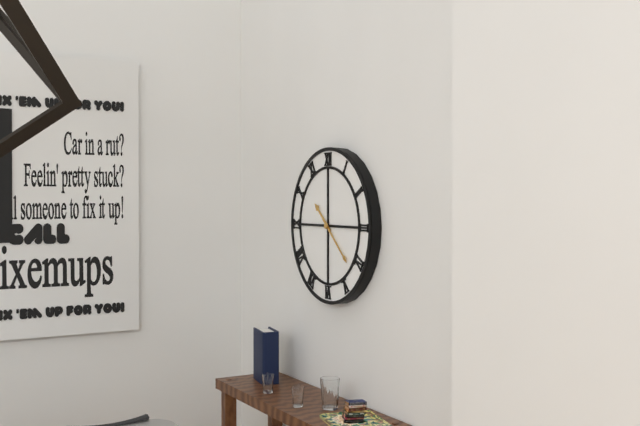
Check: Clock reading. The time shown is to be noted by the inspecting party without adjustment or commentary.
10:22
